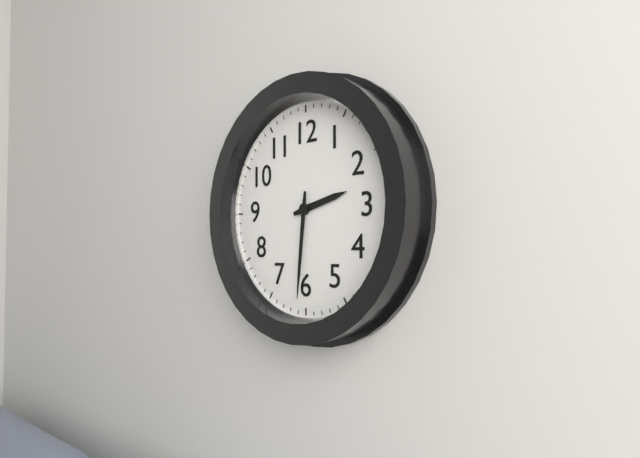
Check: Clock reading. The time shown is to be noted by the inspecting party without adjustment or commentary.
2:31
